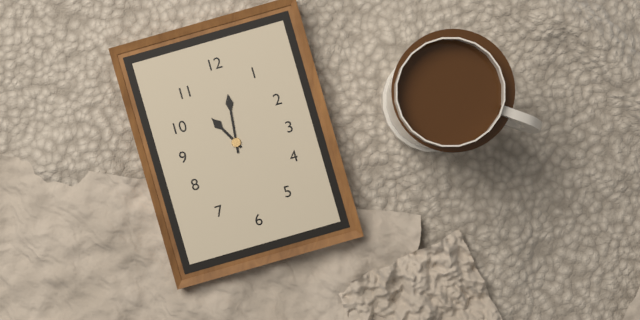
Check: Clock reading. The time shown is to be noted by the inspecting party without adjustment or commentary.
11:01
